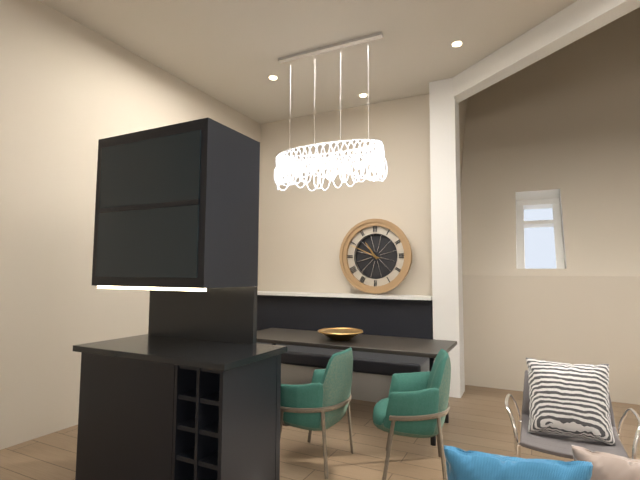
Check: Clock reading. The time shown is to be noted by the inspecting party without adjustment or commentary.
10:49
